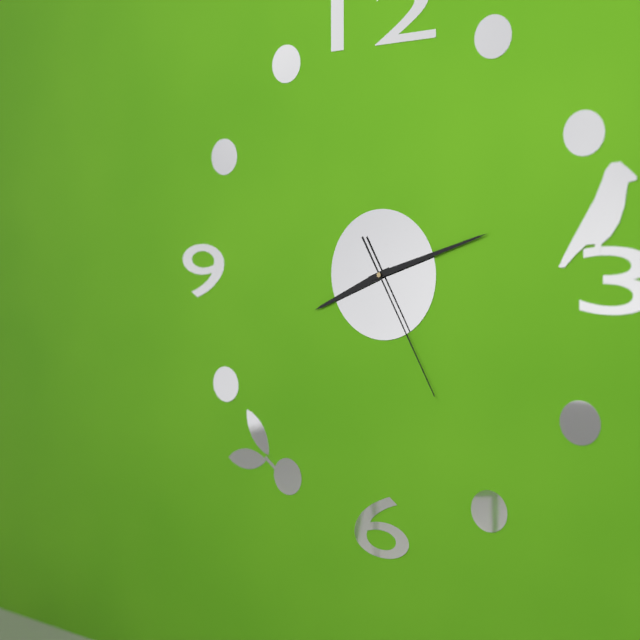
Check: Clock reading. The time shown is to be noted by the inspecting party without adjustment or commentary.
8:12:25
